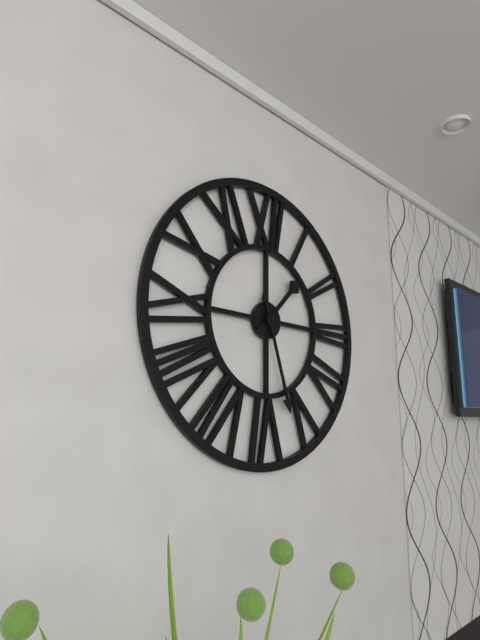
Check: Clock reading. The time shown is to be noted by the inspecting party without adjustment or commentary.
1:27
